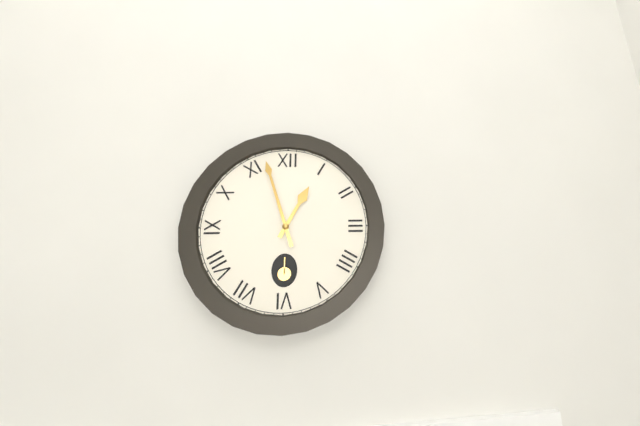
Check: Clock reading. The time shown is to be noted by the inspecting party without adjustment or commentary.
12:57
